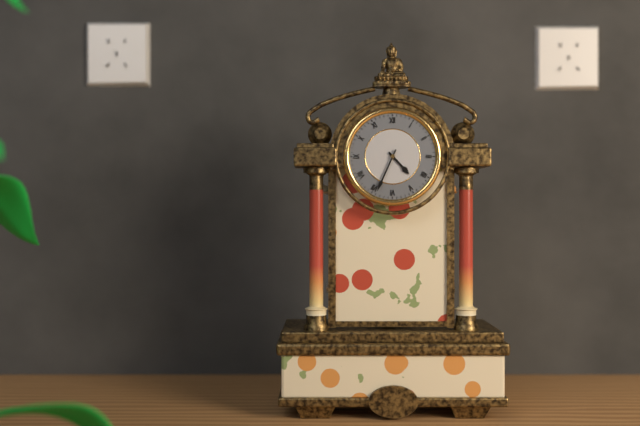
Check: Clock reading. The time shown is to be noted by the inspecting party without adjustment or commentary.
4:34
